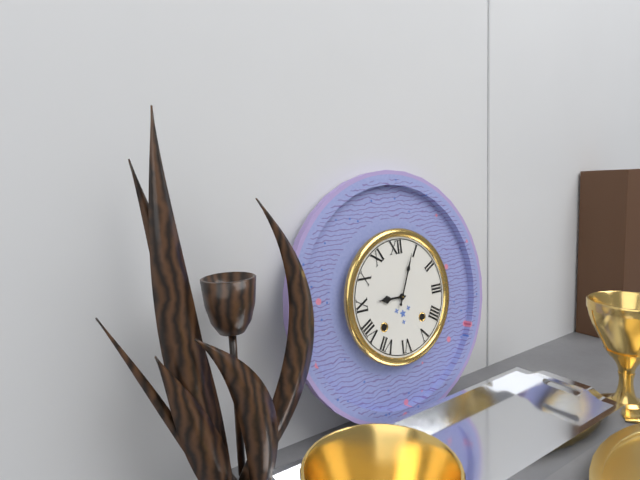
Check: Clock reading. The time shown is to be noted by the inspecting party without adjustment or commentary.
9:04
